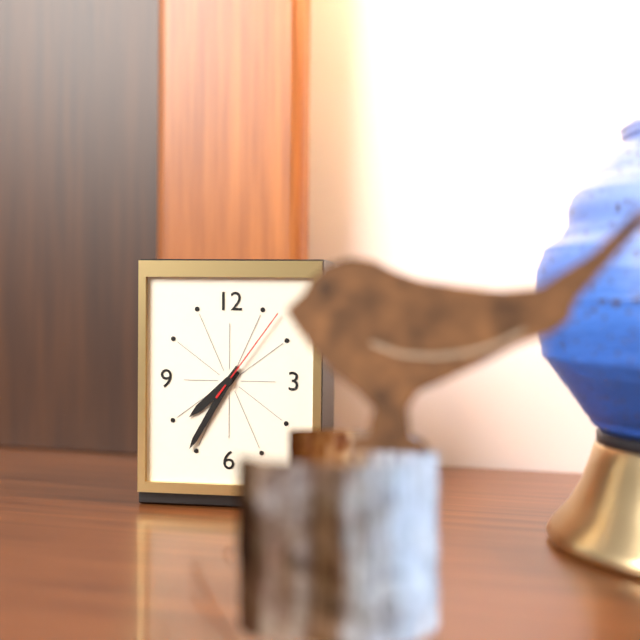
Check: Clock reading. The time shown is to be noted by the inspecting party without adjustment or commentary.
7:35:06
